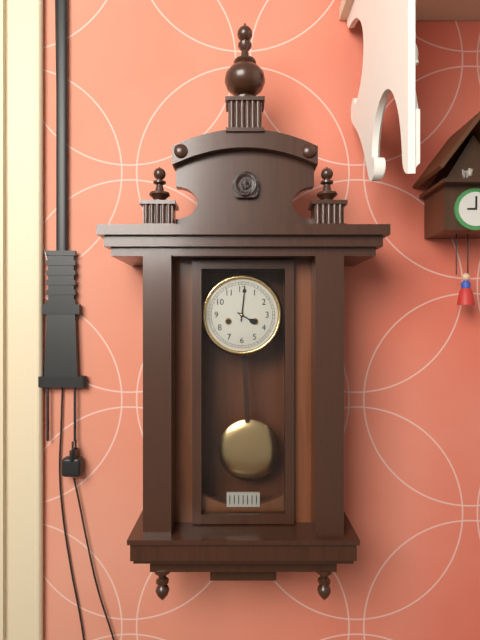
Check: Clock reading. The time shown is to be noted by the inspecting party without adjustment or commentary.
4:01
